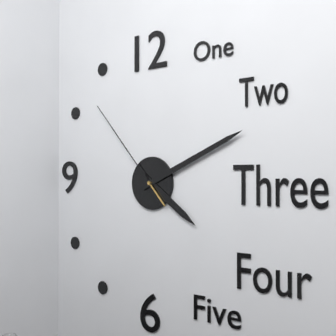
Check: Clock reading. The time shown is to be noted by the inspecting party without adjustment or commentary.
4:11:53
